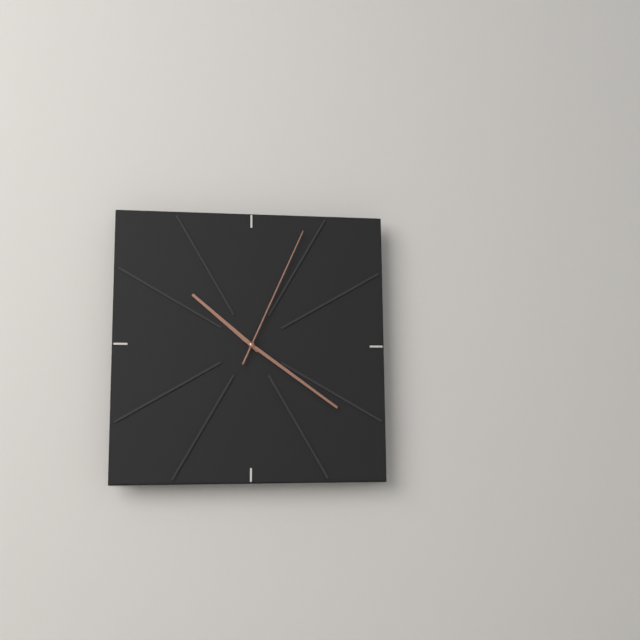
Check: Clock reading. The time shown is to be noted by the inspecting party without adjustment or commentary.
10:21:04
